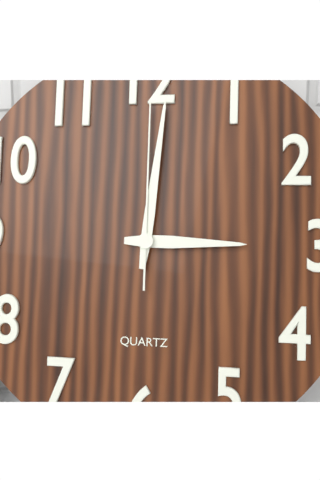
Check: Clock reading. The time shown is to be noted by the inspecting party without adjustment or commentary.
3:01:00
